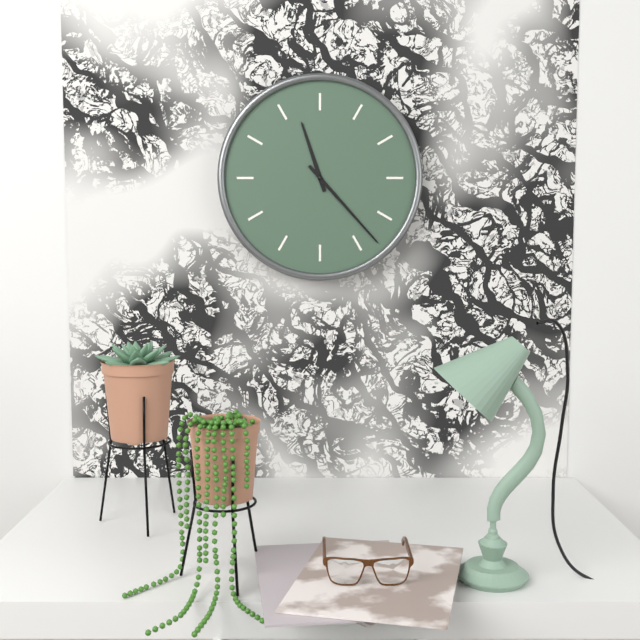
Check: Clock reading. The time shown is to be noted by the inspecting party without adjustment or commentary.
11:23
